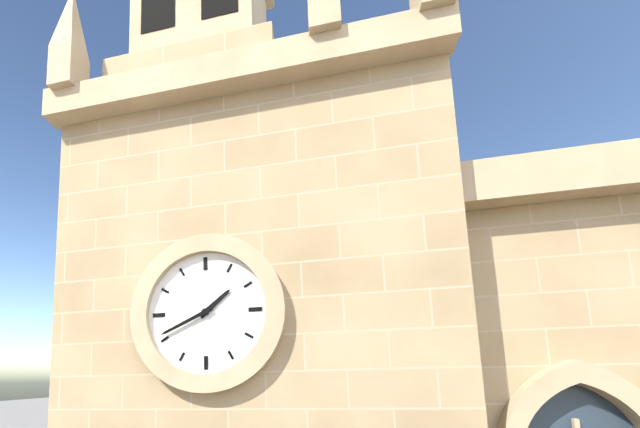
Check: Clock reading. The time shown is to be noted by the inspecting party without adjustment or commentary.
1:41
